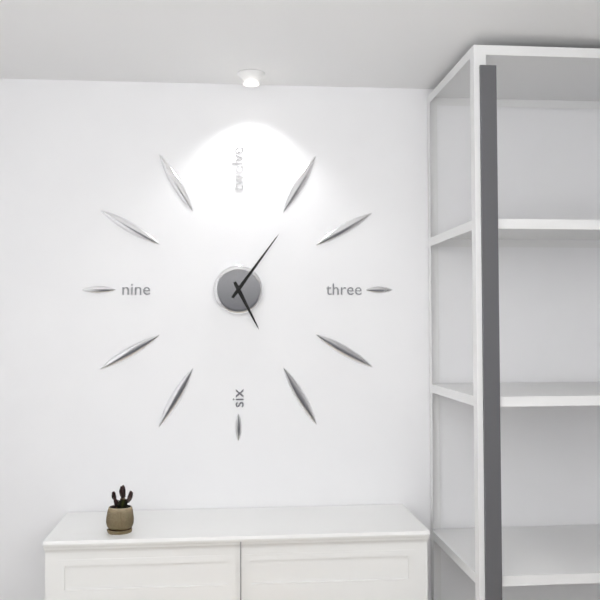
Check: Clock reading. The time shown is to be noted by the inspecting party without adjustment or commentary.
5:06
